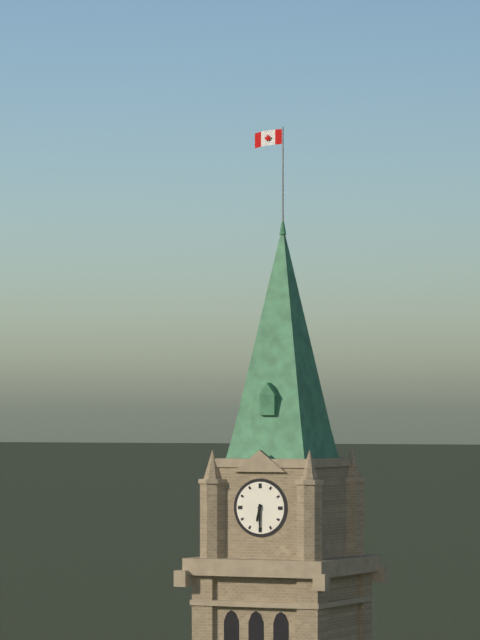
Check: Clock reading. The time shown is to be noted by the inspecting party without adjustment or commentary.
6:30
